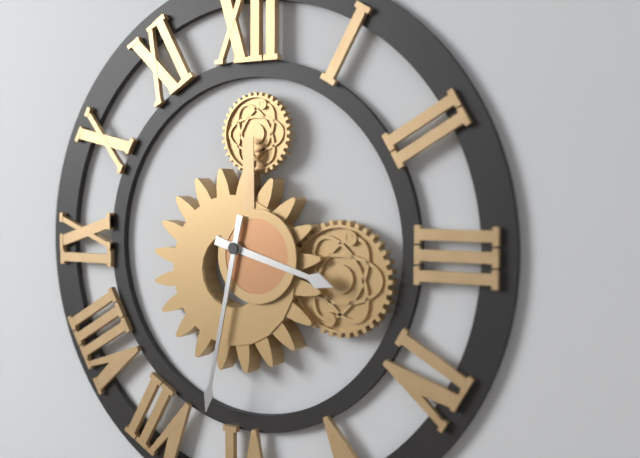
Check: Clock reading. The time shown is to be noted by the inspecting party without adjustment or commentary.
3:32
